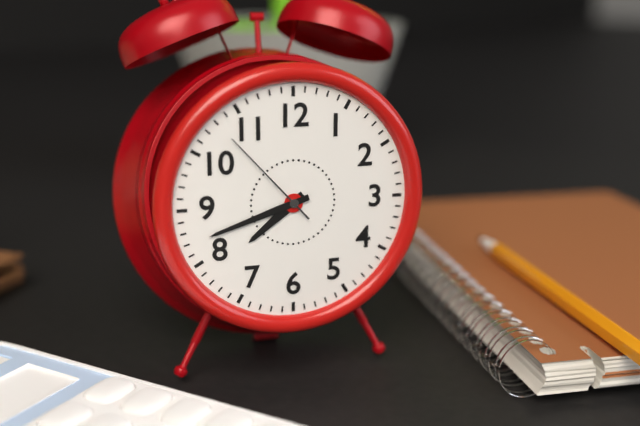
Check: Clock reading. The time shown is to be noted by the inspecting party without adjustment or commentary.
7:42:53
